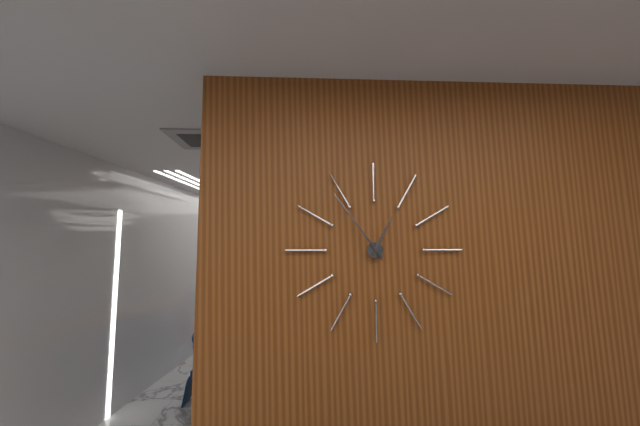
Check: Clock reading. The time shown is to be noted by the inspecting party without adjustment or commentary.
12:54
